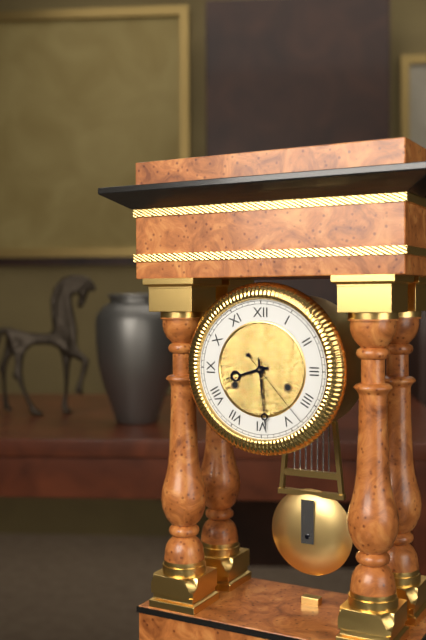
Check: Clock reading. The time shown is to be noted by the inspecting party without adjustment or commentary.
8:29:23
